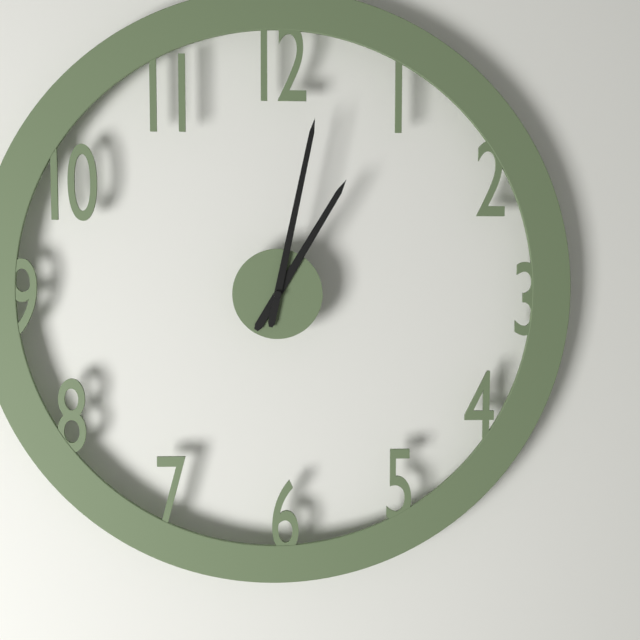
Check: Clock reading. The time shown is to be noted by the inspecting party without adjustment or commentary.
1:02
